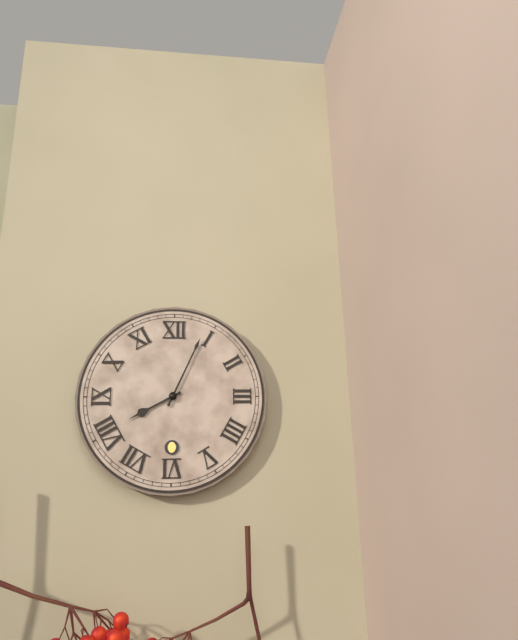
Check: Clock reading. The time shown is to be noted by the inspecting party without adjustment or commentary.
8:04
